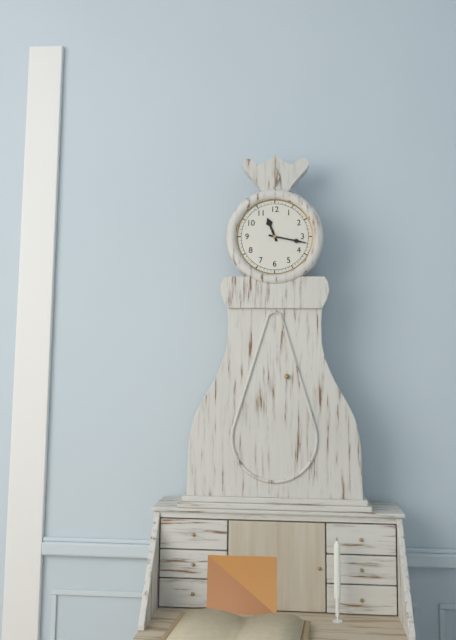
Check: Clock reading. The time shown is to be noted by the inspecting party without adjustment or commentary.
11:17
